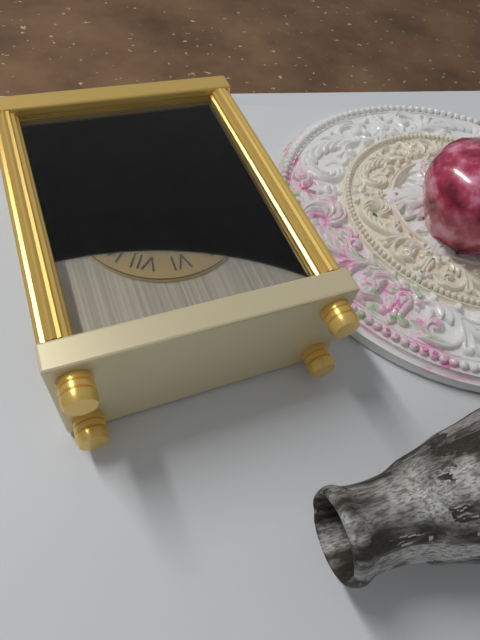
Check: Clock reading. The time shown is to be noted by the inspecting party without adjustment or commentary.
10:06
